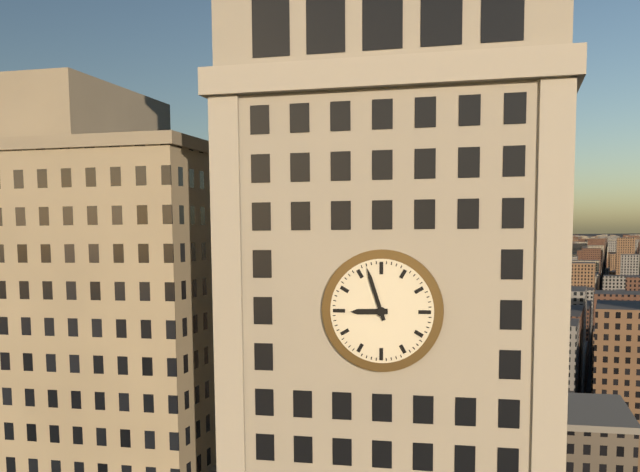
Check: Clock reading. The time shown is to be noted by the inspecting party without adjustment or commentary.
8:57
